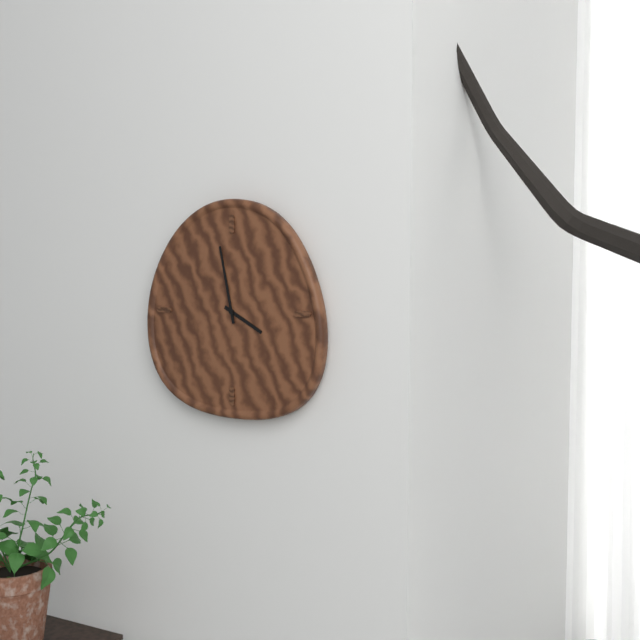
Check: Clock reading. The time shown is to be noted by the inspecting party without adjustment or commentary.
3:58
